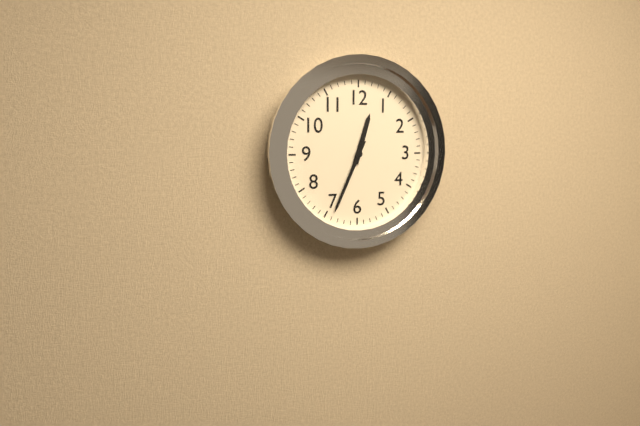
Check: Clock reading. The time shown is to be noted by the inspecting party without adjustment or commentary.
12:34
